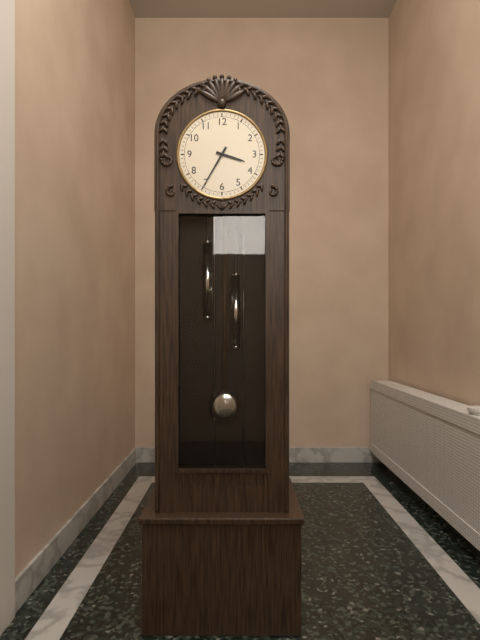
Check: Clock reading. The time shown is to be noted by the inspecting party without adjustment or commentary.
3:35
